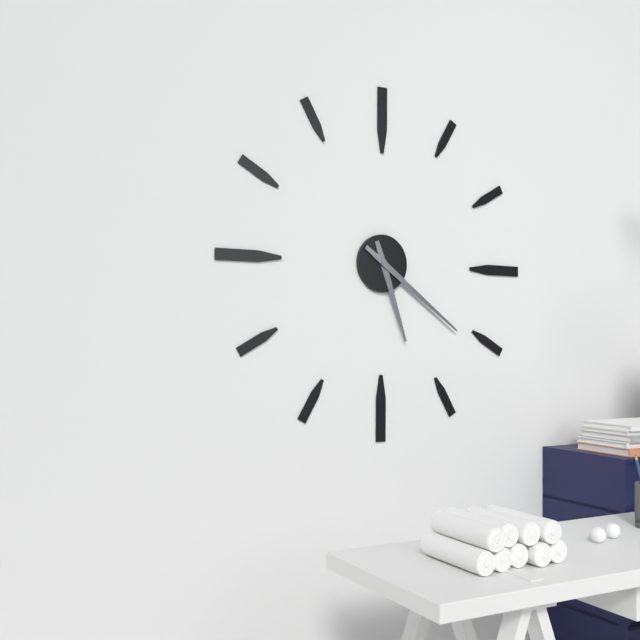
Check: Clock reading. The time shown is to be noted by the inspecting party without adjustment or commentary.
5:21
